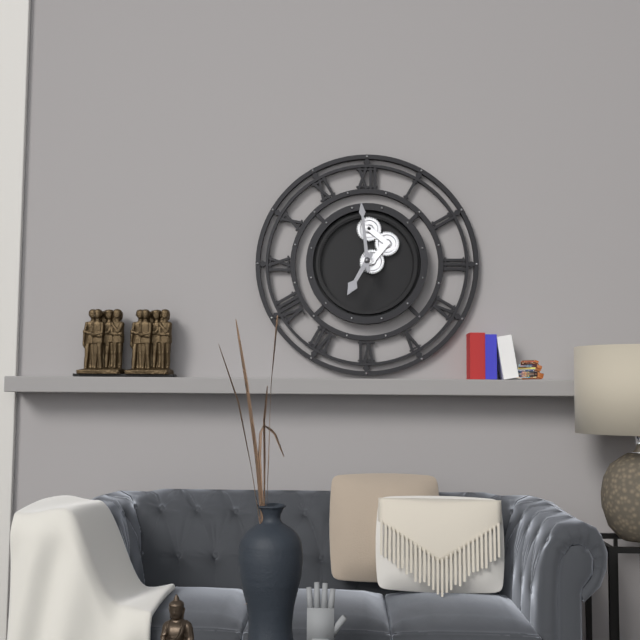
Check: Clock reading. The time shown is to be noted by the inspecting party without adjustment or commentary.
6:59
